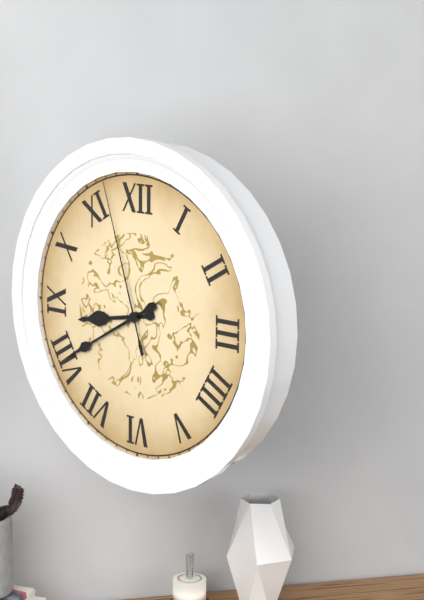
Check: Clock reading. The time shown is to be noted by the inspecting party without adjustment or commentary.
8:40:57
